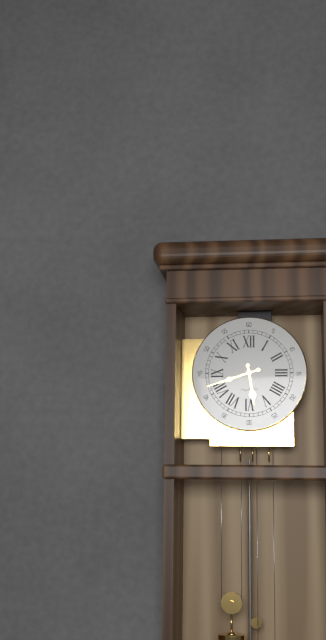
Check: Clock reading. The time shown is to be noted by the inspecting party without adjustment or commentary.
5:42
